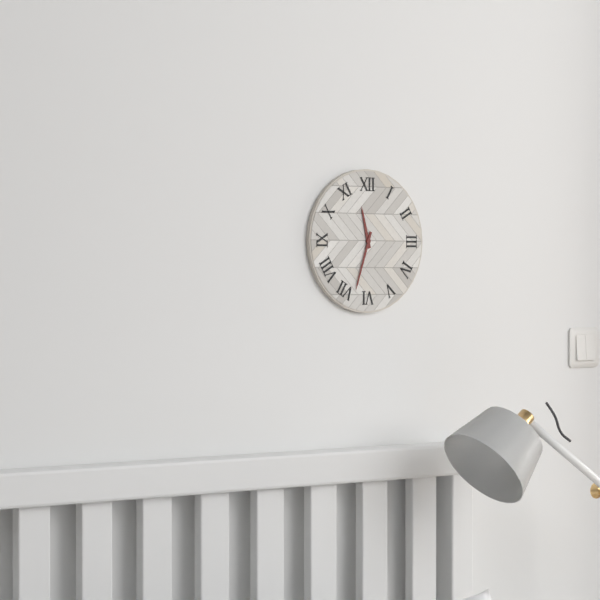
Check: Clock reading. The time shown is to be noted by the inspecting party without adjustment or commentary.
11:33
